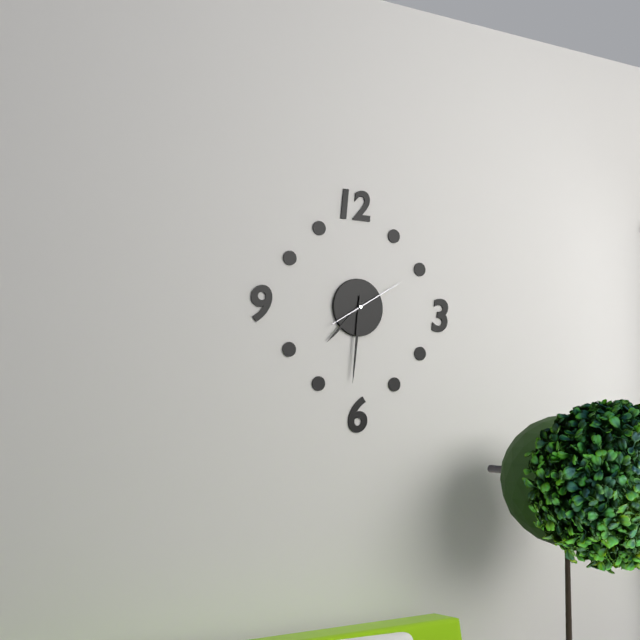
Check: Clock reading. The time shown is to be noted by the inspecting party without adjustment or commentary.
7:31:10
